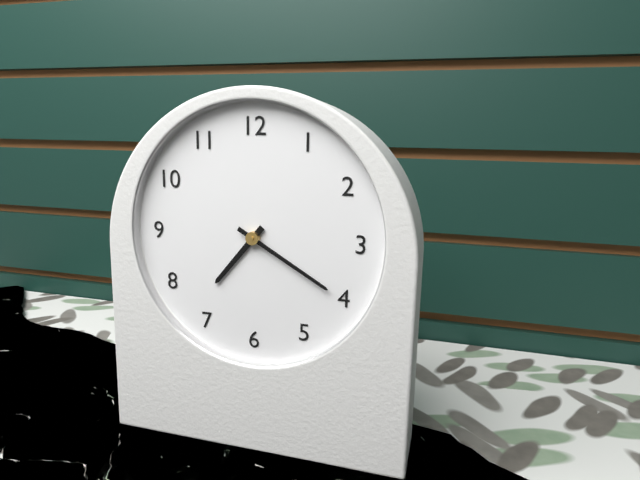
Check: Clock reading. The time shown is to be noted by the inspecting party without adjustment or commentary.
7:20
